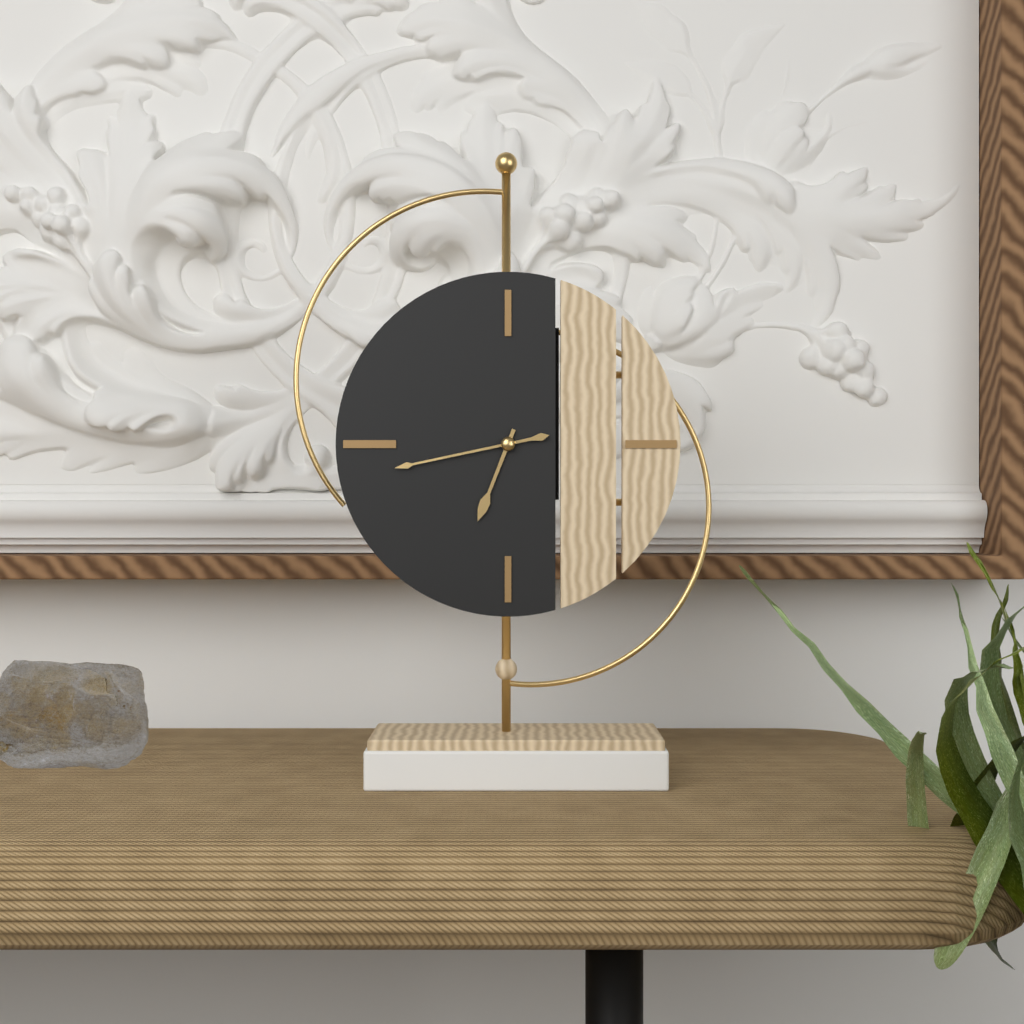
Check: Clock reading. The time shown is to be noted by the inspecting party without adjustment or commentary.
6:43
